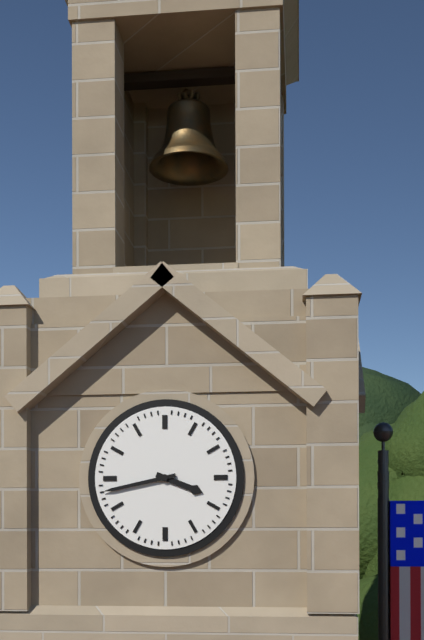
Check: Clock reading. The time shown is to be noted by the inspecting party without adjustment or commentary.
3:43
